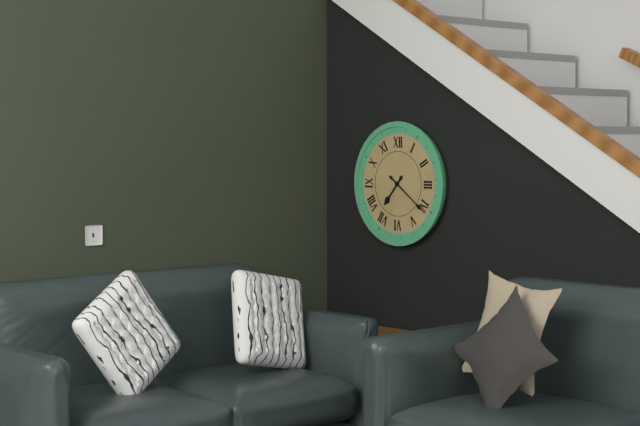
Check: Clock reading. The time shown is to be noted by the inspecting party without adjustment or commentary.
7:21
